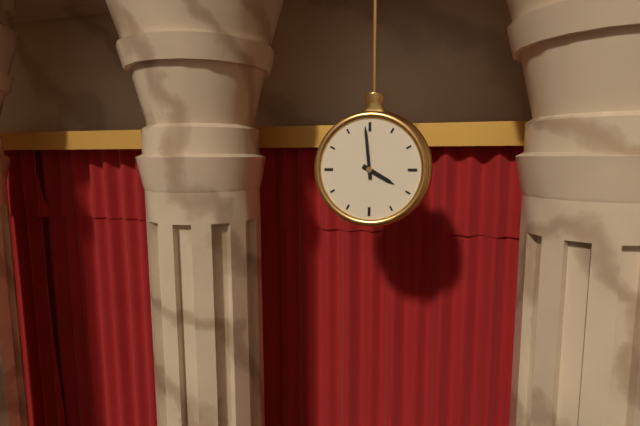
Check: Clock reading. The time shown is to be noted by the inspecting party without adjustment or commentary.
3:59
